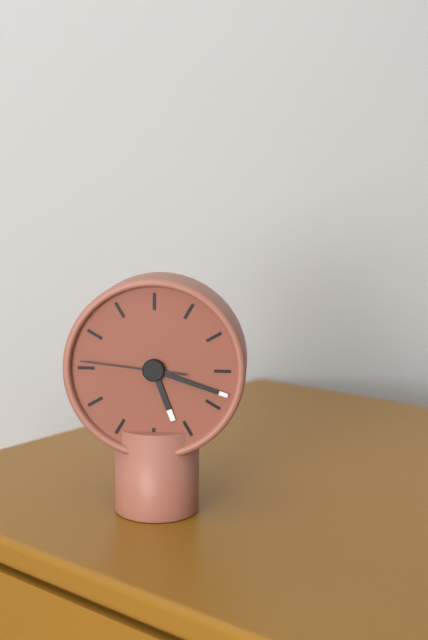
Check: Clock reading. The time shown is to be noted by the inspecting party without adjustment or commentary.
5:18:46
